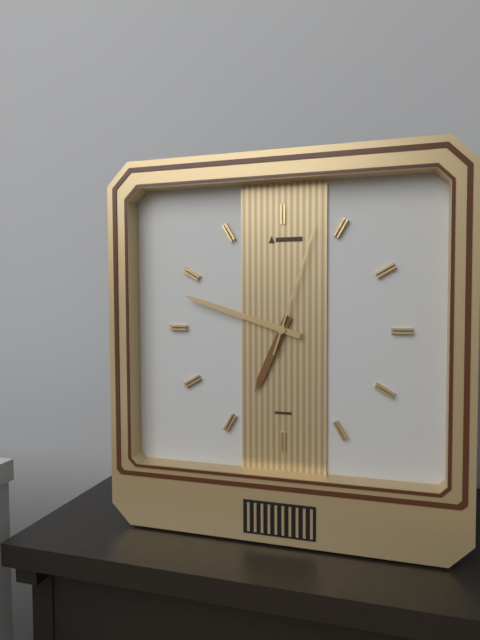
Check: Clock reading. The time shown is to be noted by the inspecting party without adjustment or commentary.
6:48:03
